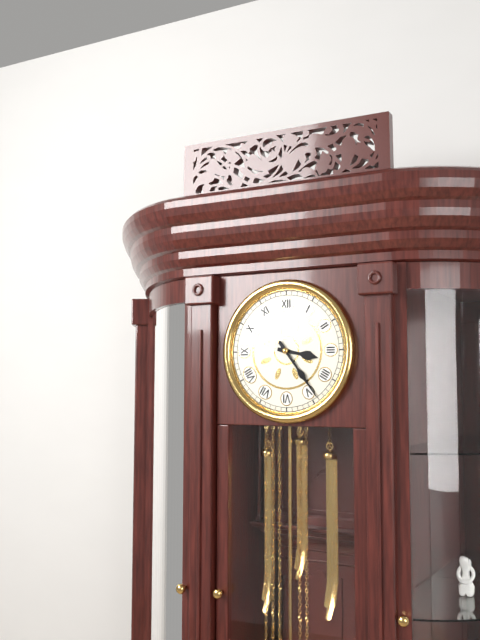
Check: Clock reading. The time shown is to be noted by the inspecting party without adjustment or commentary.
3:24
